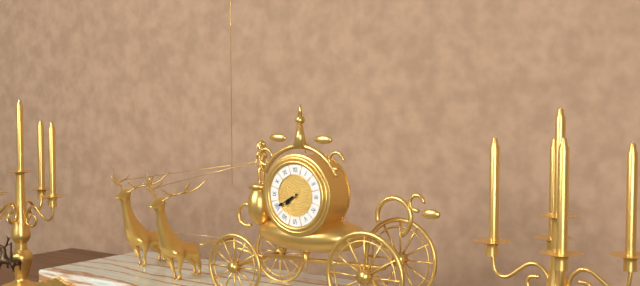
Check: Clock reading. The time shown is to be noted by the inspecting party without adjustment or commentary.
7:40
